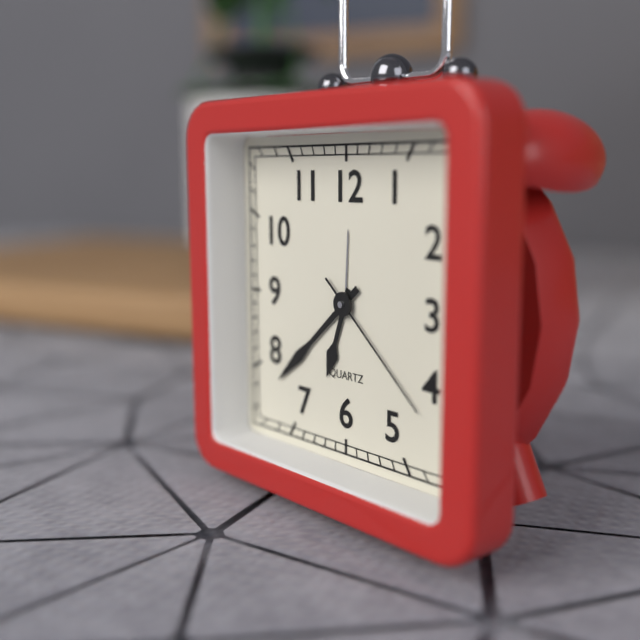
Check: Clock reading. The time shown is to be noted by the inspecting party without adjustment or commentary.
6:38:22
